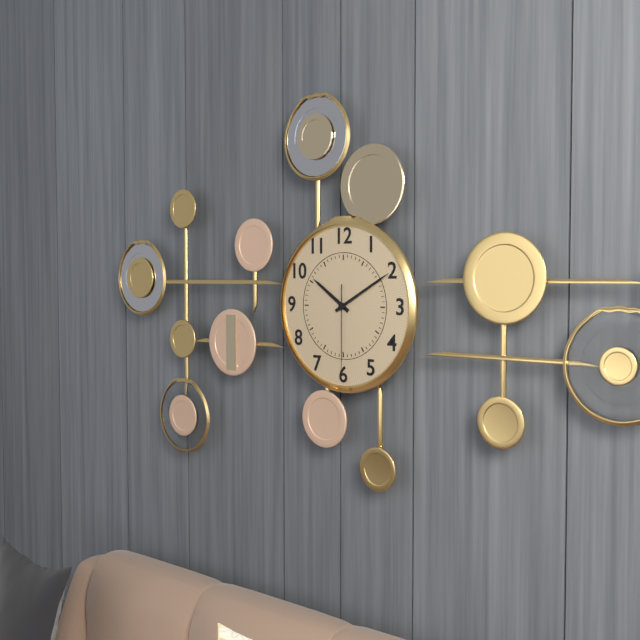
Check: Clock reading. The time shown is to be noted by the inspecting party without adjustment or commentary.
10:10:30
